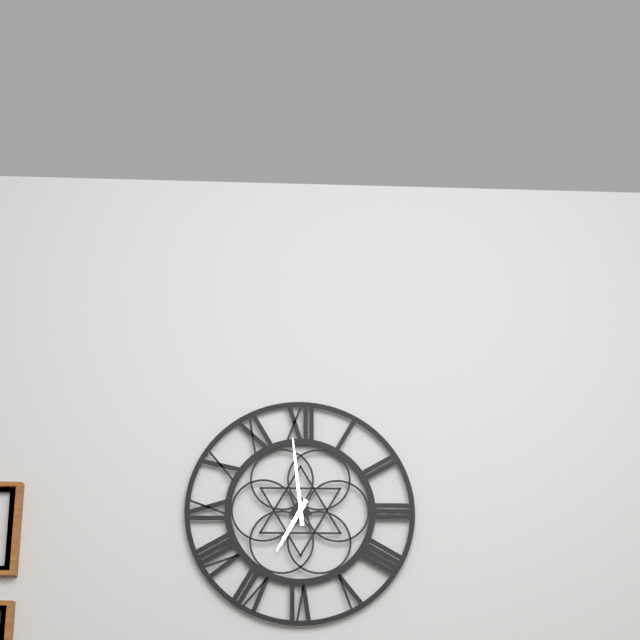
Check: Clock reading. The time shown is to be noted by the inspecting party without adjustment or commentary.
6:59
